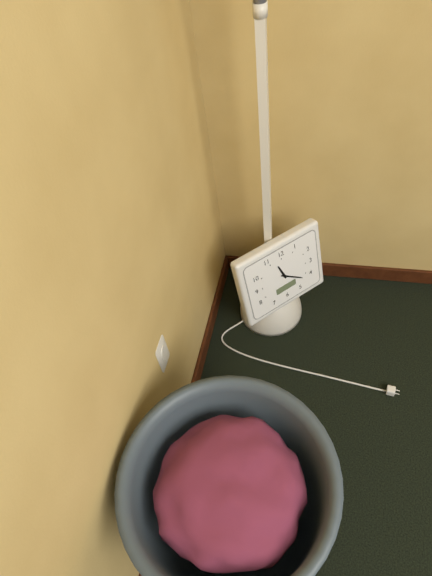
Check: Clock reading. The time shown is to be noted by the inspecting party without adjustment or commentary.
11:21
